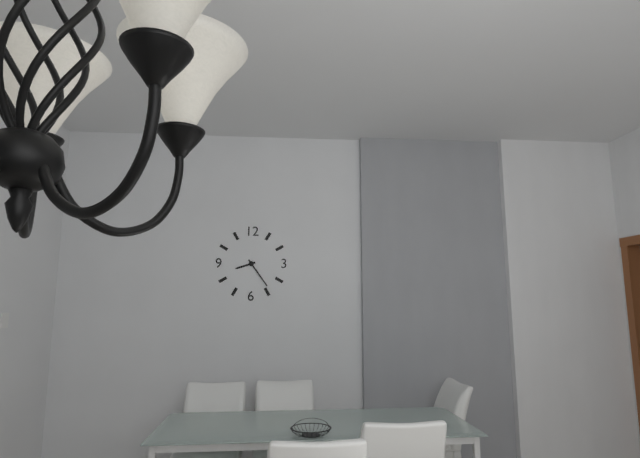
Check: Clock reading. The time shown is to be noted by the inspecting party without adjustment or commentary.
8:24
